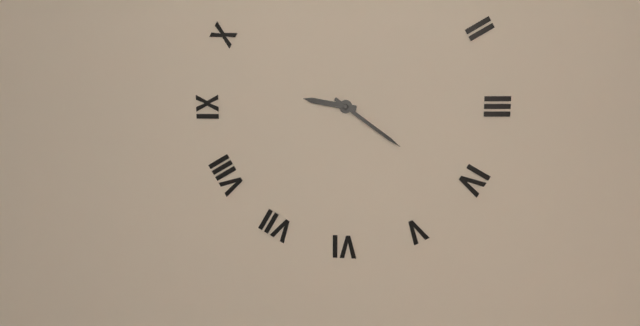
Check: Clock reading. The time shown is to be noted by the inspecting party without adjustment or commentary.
9:21
